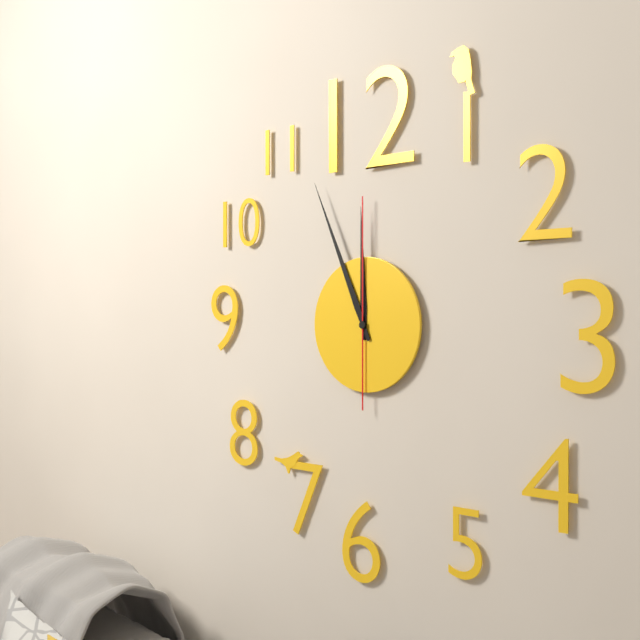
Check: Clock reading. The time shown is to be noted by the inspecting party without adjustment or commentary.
11:56:00
